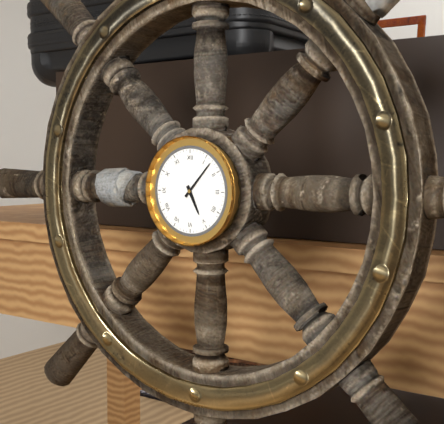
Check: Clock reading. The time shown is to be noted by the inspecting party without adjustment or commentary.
5:07
